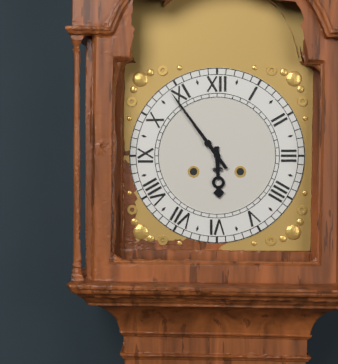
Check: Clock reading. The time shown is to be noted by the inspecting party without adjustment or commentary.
5:54
